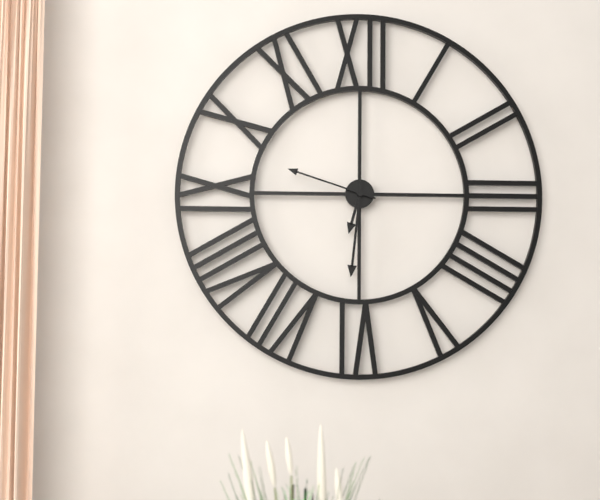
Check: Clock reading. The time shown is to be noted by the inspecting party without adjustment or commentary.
6:31:48
